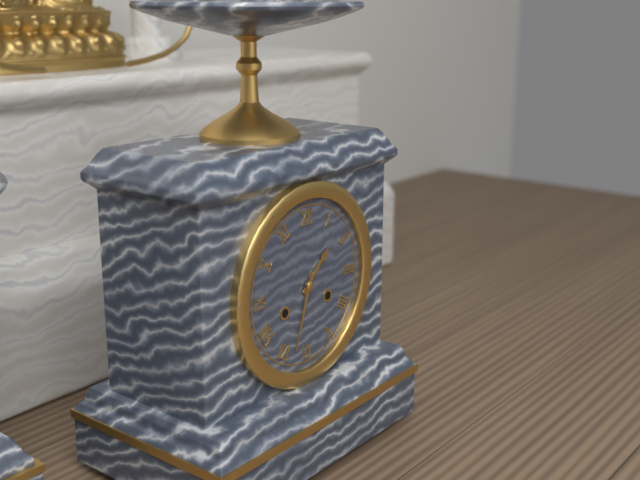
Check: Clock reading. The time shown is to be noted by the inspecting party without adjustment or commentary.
1:33
